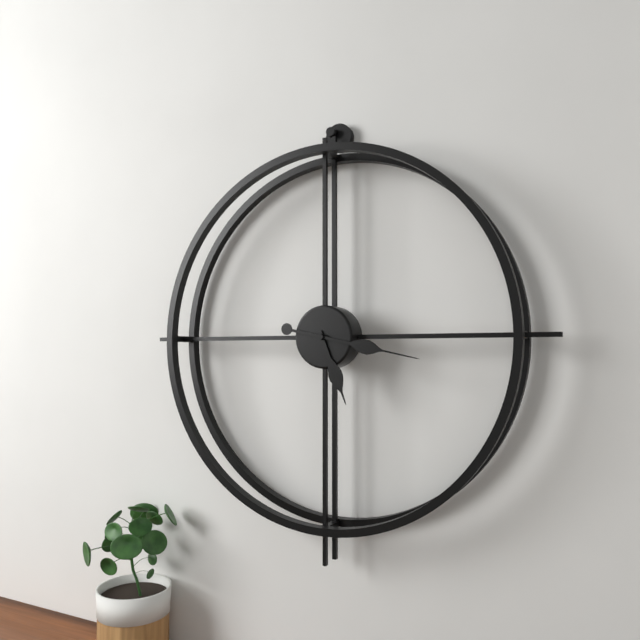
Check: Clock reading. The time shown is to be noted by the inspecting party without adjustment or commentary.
5:17
